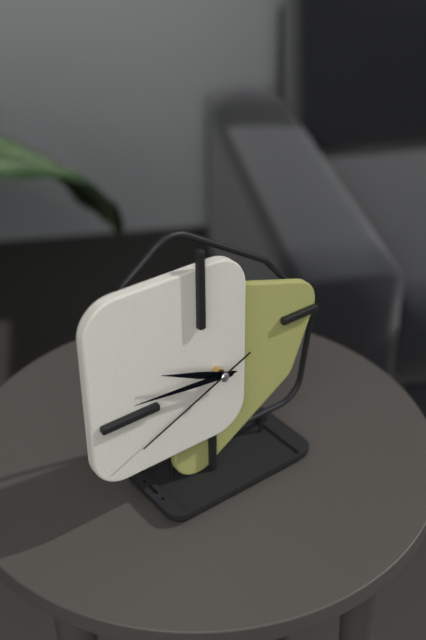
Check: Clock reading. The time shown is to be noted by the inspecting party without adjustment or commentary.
9:46:41
